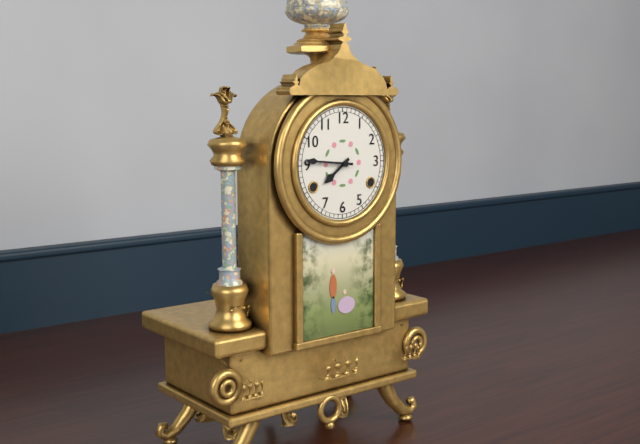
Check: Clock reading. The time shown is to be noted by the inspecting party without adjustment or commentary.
7:46
